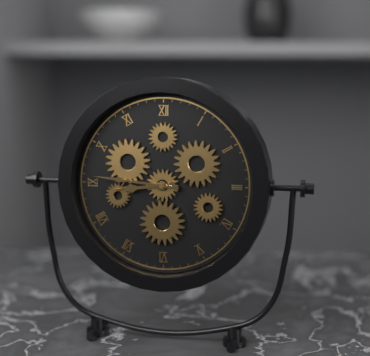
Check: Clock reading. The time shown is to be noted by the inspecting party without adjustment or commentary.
8:46
